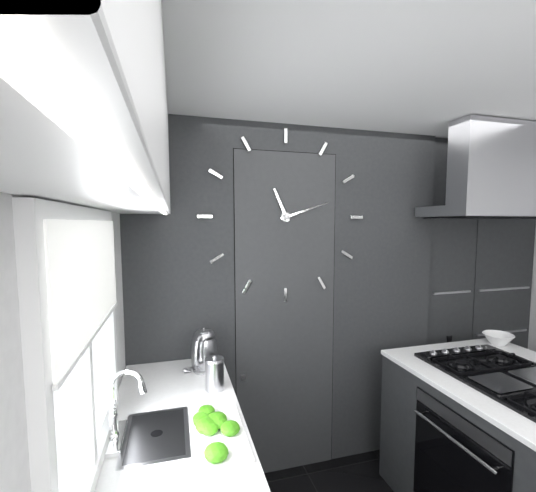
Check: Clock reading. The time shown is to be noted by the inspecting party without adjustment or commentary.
11:12
